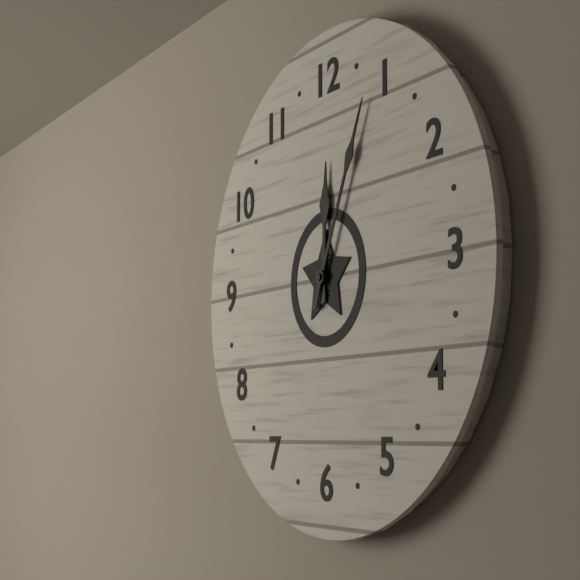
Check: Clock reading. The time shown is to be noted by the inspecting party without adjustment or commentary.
12:04
